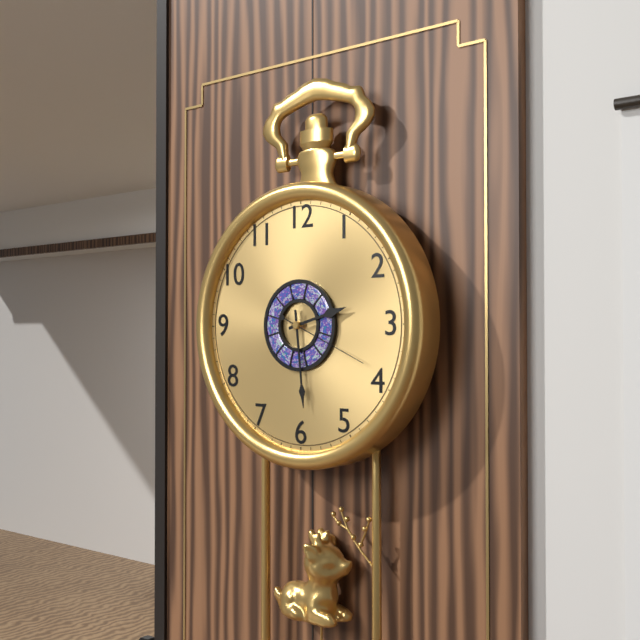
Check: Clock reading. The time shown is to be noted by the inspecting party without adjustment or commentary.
2:29:19
